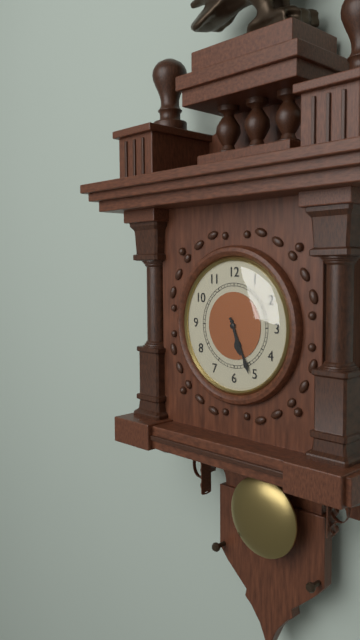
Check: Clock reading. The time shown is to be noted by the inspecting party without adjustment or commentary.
5:26
